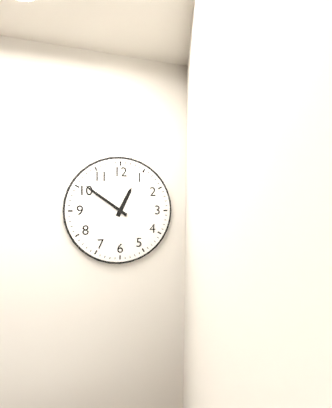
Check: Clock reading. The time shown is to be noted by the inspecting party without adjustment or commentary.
12:51
